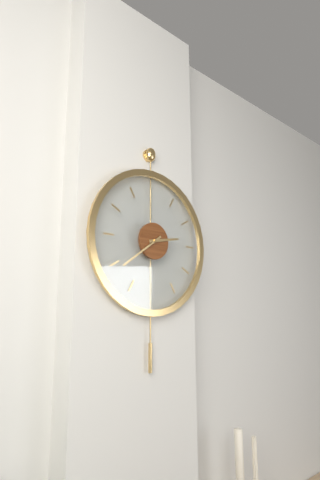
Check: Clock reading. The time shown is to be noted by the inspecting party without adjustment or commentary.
2:39
